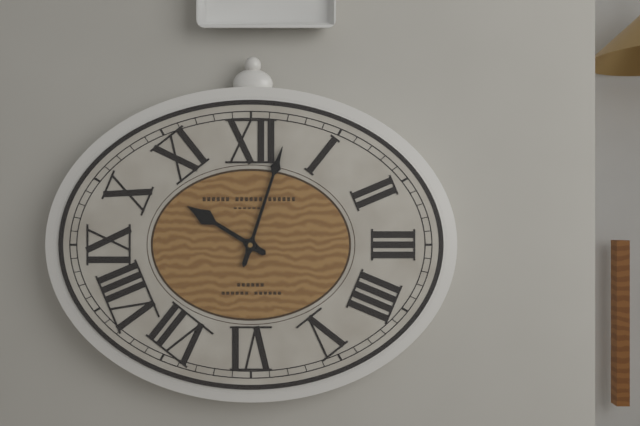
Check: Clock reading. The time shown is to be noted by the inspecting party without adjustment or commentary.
10:03
